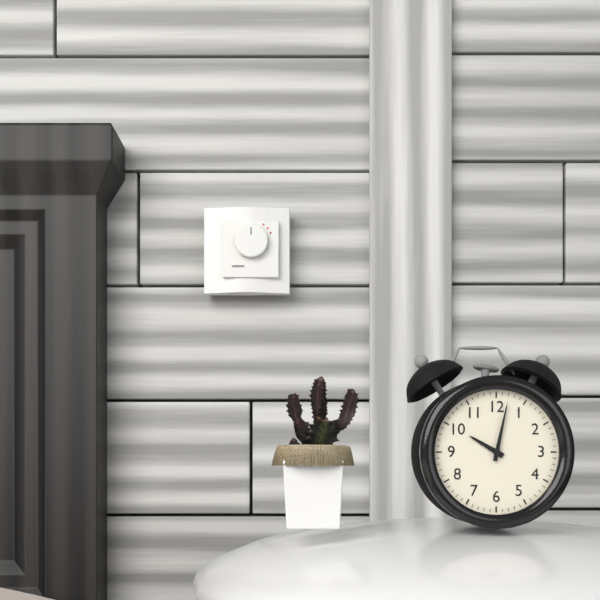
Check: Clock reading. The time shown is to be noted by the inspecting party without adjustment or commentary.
10:02
